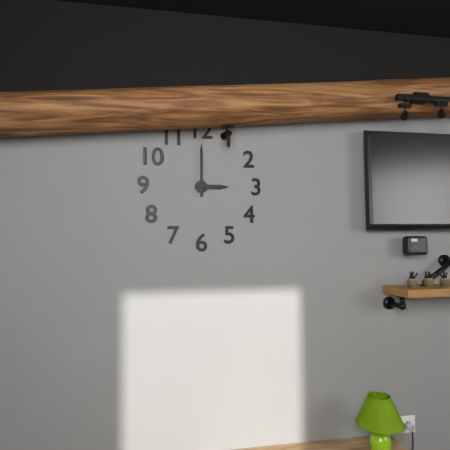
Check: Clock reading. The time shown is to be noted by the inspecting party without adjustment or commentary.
3:00
